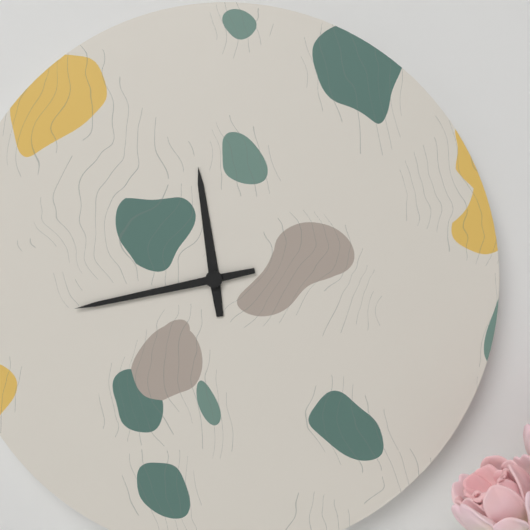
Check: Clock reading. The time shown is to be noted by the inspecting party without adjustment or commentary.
11:43
